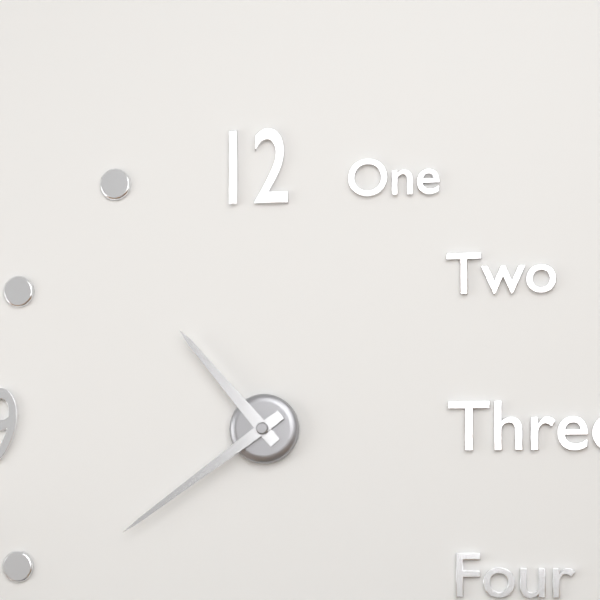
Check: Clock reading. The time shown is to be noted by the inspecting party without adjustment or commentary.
10:39
